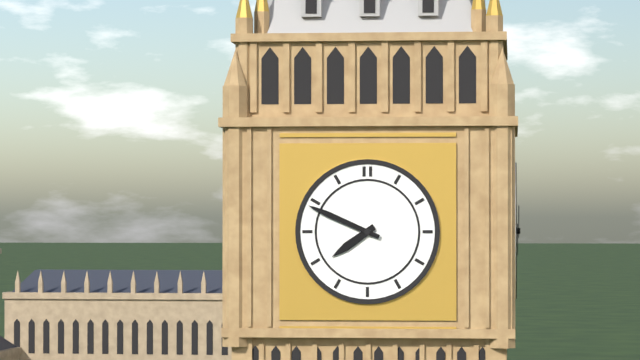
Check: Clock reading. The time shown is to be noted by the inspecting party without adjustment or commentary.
7:49
